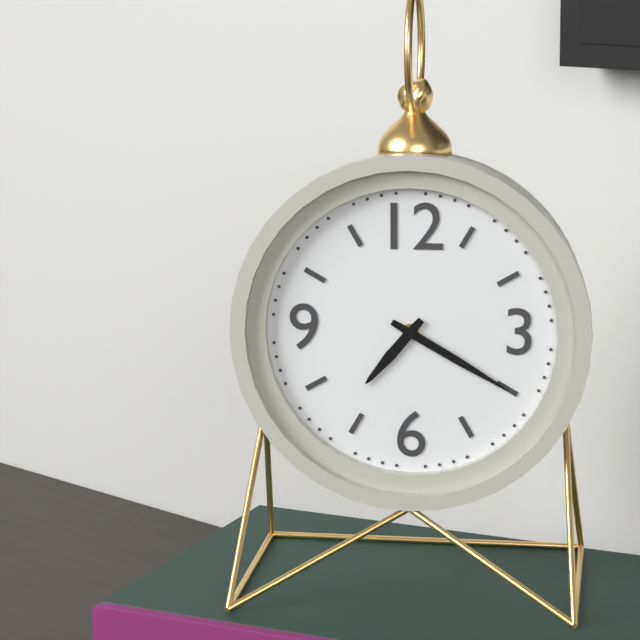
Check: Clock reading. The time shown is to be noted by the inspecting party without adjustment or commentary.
7:20
